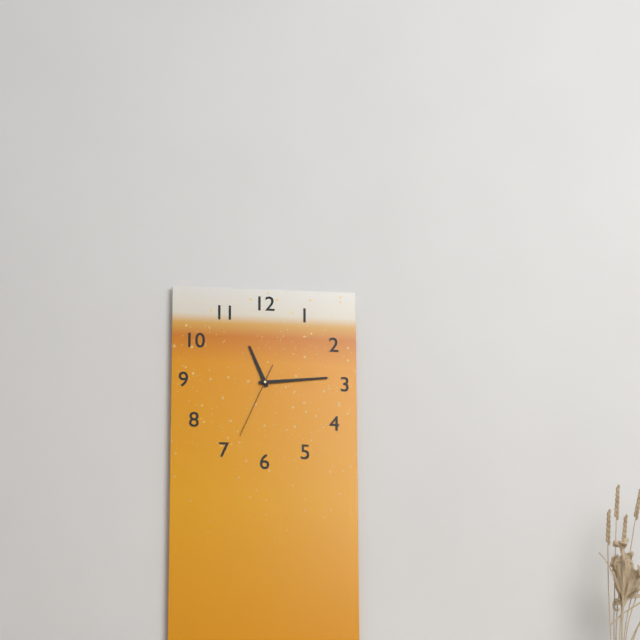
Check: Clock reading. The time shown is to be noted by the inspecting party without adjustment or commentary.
11:14:34
